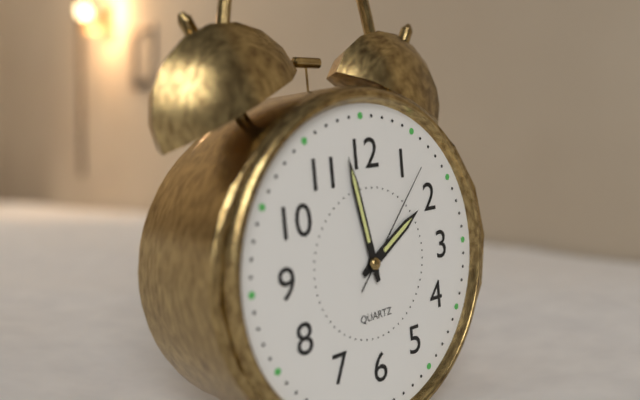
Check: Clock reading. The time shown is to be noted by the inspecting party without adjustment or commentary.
1:58:07
